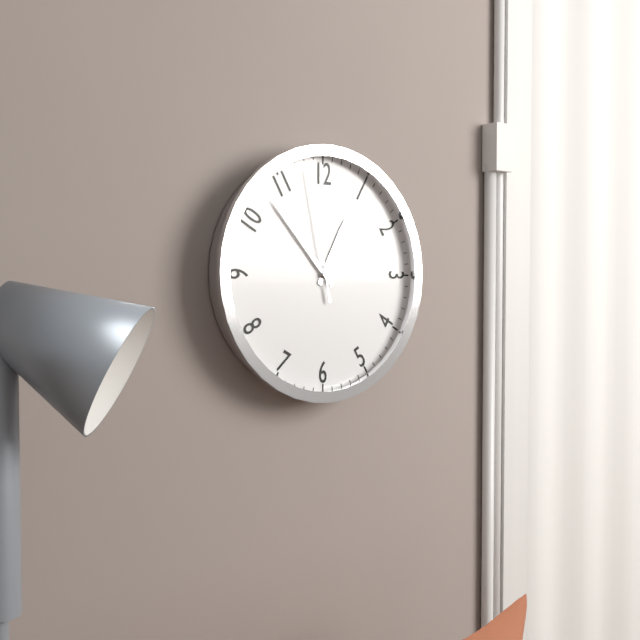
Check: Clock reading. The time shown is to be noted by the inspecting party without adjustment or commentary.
12:53:58
